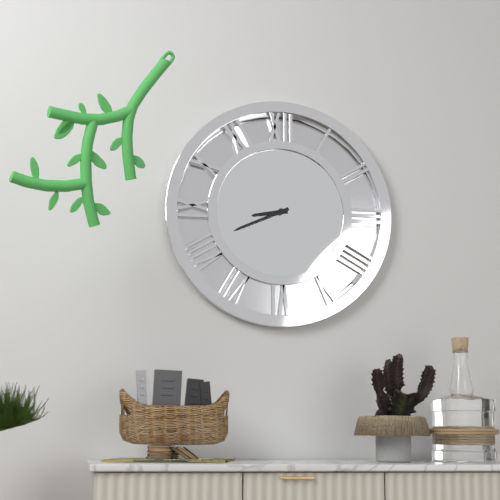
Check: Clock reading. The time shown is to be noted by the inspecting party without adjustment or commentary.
8:41
